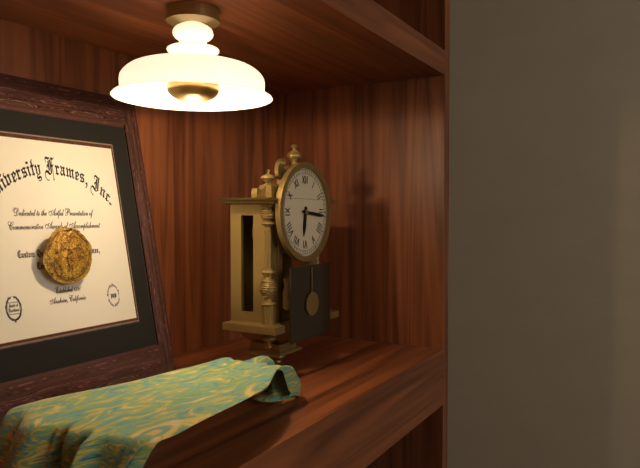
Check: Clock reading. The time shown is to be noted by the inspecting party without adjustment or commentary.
6:16
